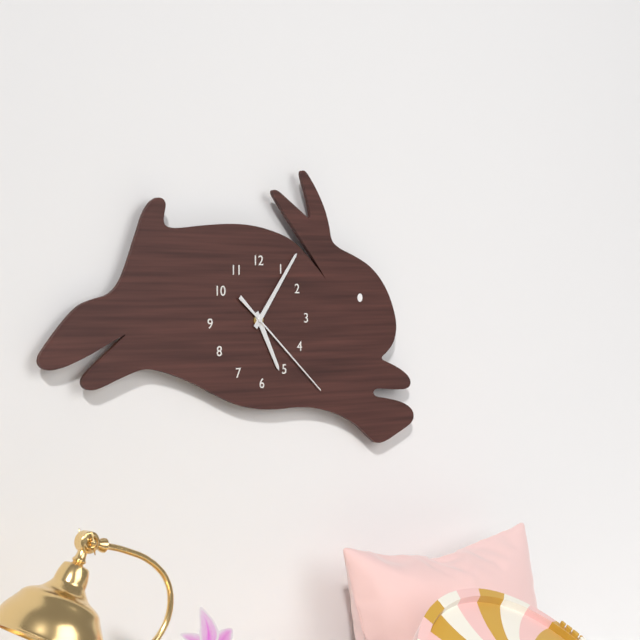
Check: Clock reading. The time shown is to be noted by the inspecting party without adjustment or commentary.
5:06:22
